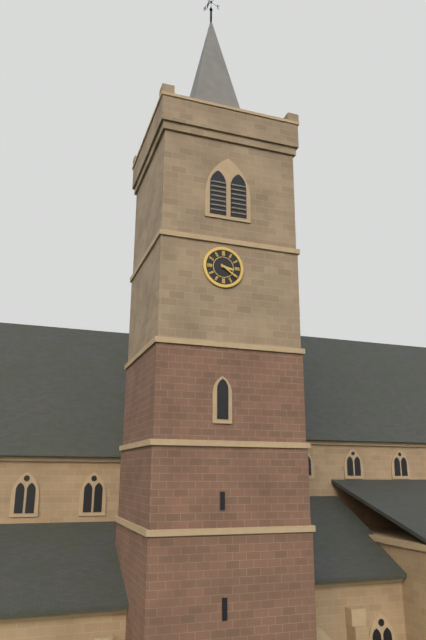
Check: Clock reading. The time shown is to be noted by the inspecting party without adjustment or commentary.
3:21
